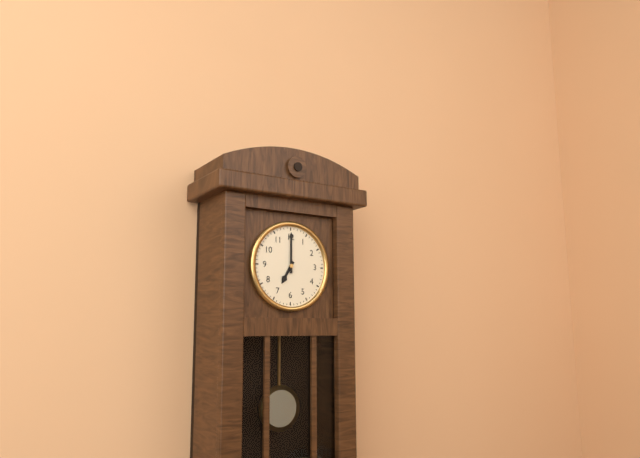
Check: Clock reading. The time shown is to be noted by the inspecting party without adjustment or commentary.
7:00
